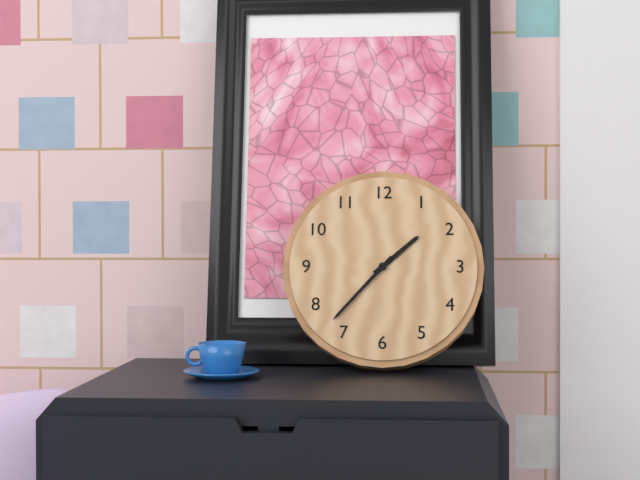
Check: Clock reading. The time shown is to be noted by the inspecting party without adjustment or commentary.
1:37
